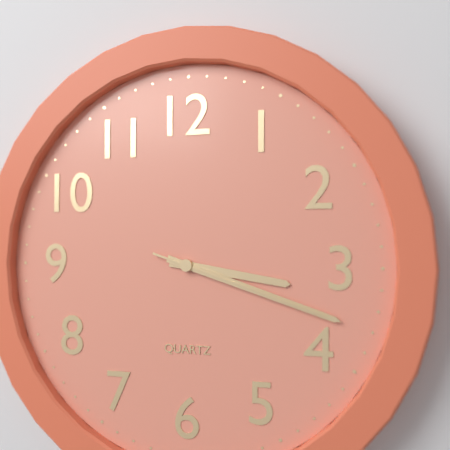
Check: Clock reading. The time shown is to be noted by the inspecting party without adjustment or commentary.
3:18:18
